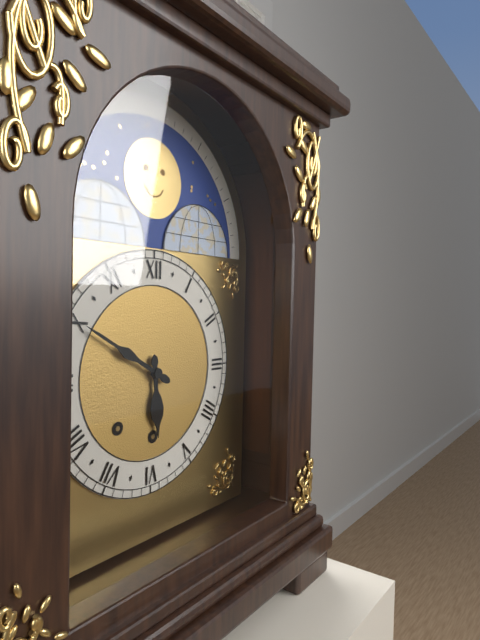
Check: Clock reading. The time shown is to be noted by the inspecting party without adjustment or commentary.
5:50
